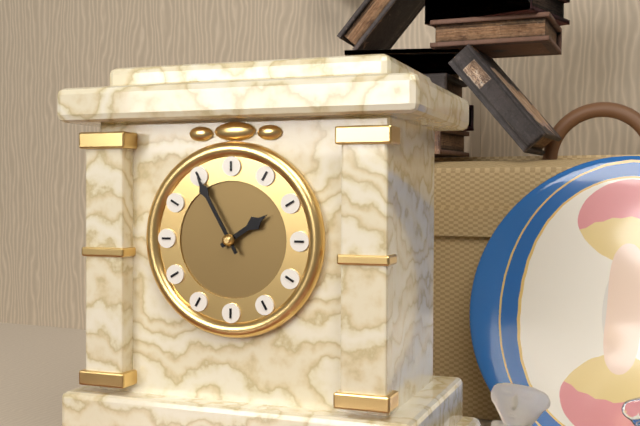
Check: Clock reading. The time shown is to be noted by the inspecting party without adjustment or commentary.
1:55
